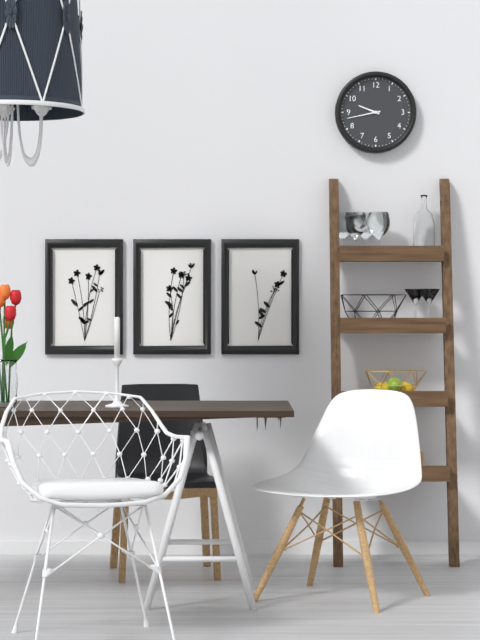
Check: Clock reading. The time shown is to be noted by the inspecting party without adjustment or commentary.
9:43
